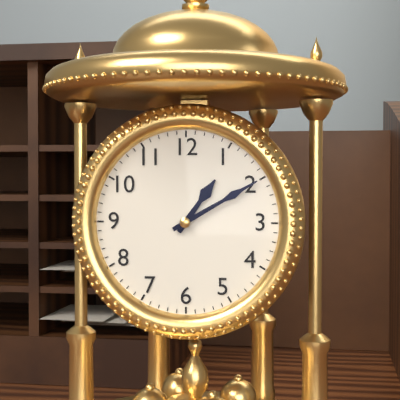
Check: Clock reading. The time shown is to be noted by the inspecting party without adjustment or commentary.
1:10
